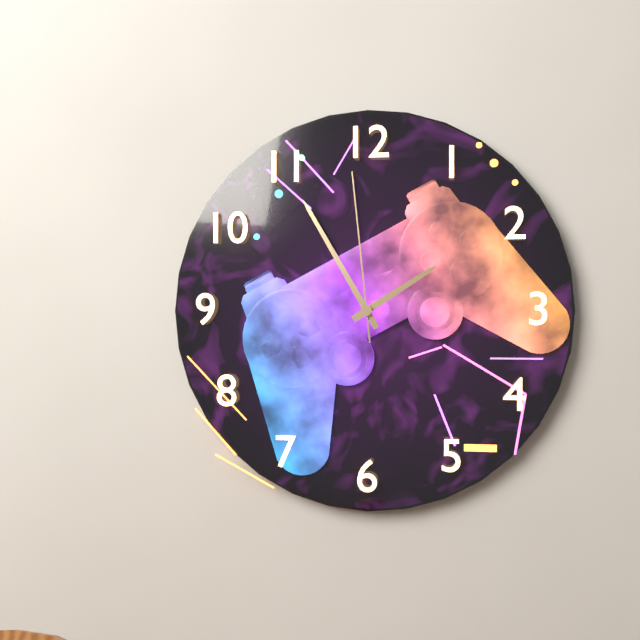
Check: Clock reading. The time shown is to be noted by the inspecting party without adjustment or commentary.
1:55:59
